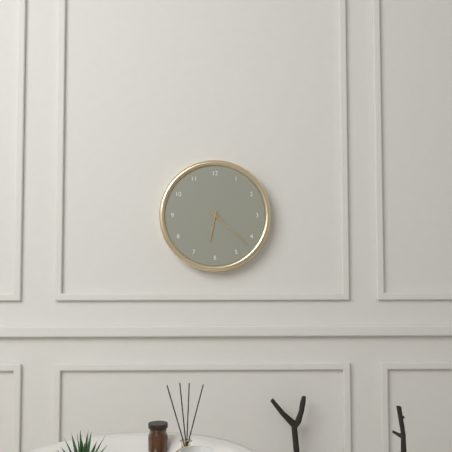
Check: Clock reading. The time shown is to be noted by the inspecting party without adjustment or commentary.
6:22
